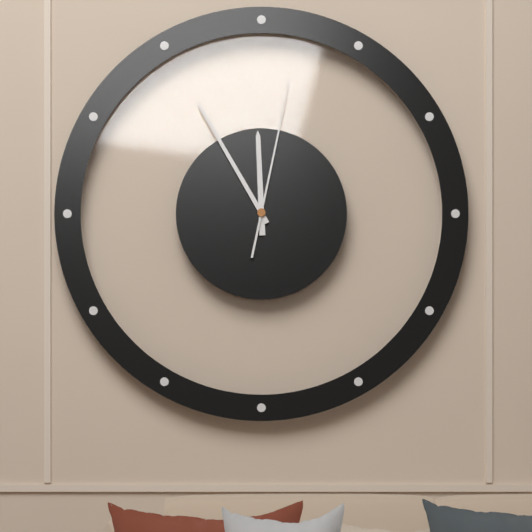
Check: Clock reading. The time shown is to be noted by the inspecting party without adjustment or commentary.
11:55:02
